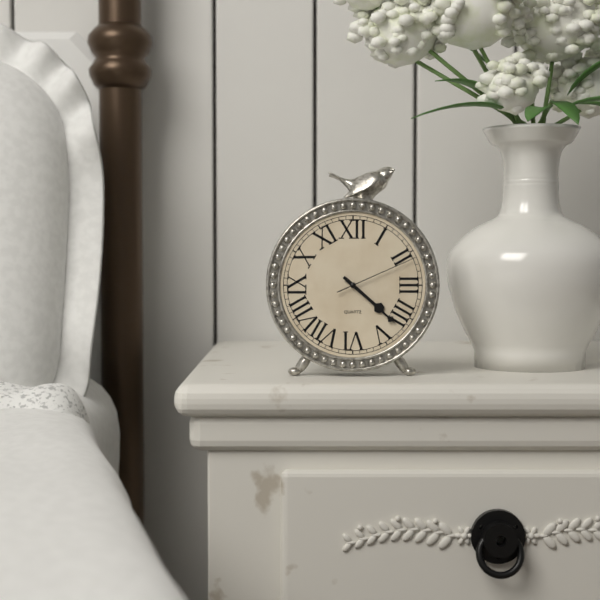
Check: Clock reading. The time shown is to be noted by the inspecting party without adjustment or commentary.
4:22:11
